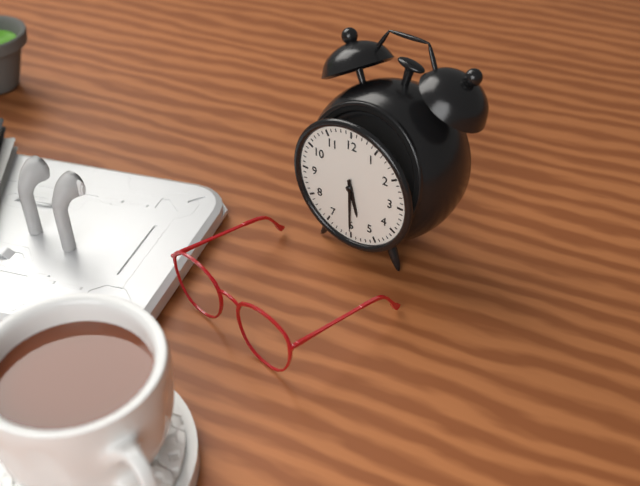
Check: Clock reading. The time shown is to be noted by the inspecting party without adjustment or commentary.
5:30
